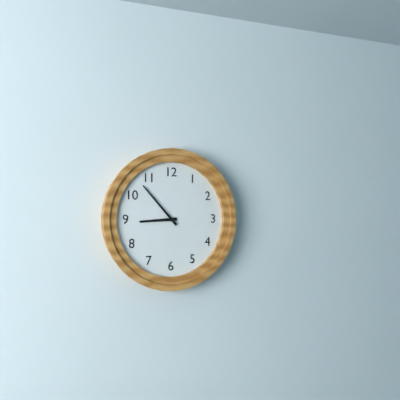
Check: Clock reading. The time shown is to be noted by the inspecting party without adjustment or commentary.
8:53
